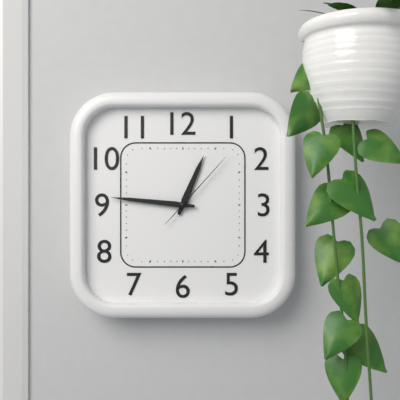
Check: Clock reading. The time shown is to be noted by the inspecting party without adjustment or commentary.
12:46:07
